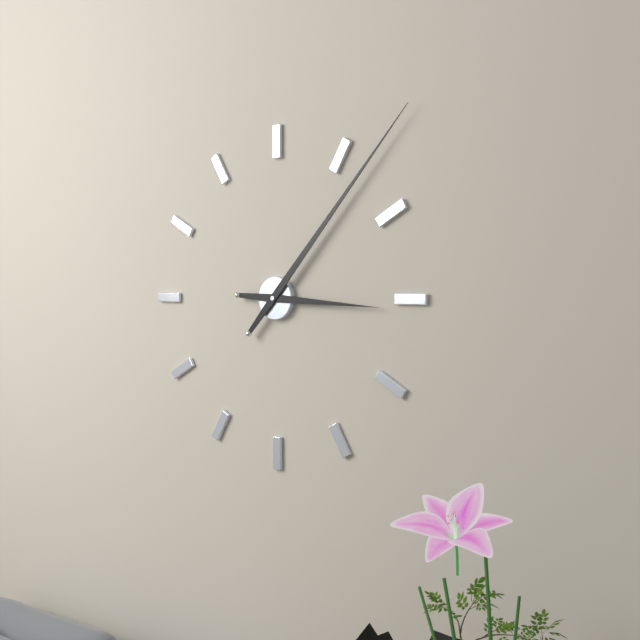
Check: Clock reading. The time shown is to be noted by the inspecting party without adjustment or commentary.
3:07
